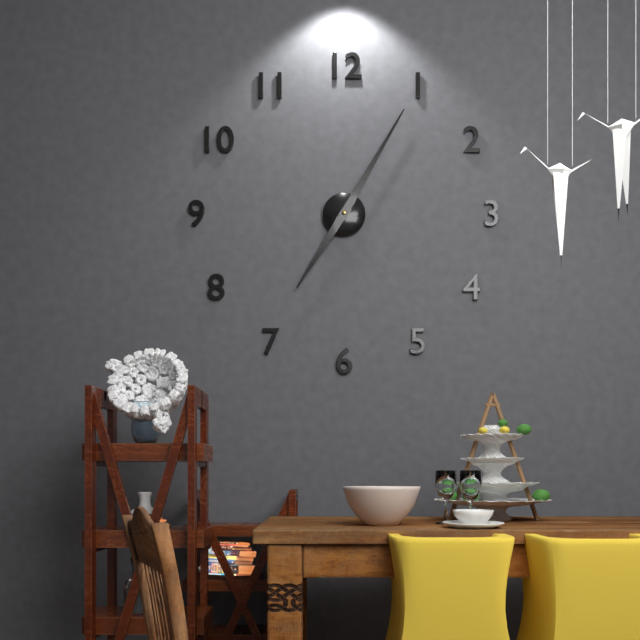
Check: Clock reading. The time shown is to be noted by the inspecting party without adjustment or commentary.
7:05
